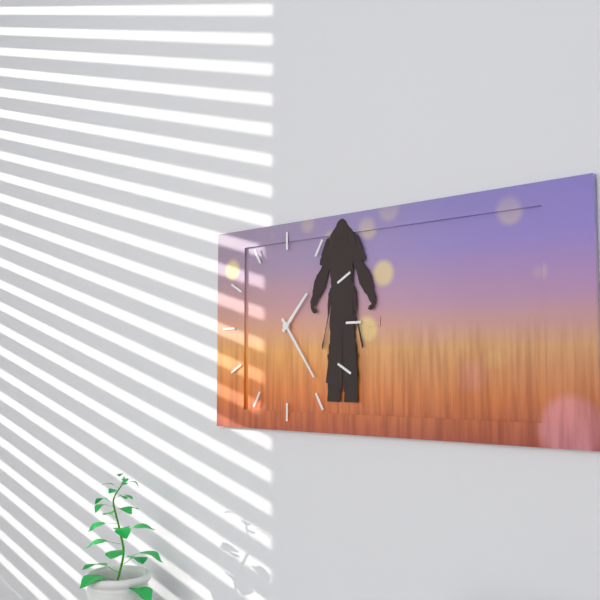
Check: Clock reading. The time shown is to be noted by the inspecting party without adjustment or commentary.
1:24
